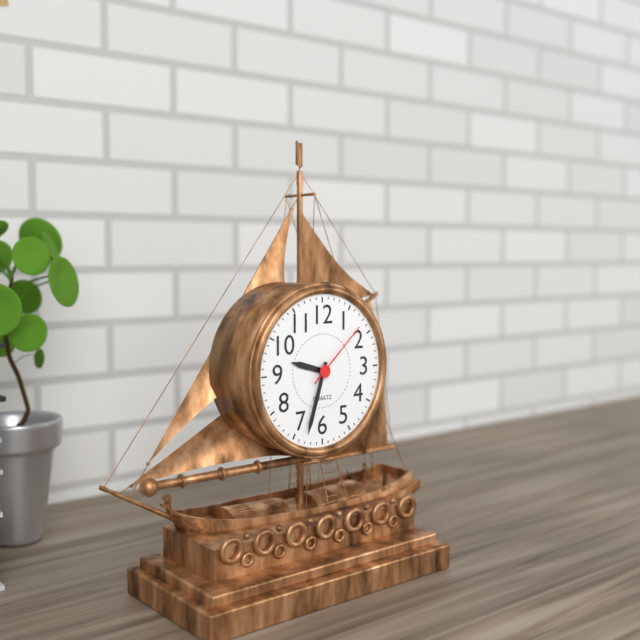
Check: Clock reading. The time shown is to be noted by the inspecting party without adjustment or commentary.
9:33:08
